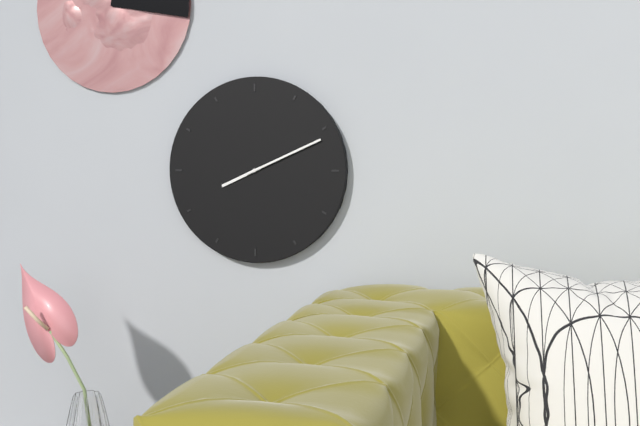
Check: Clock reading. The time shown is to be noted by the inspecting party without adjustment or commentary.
8:11
